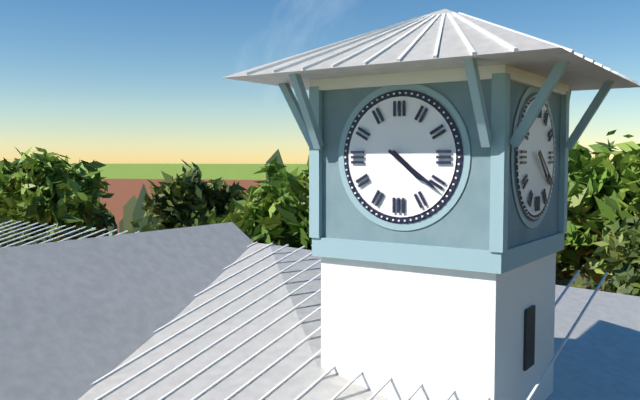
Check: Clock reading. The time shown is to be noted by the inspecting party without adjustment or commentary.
4:21
